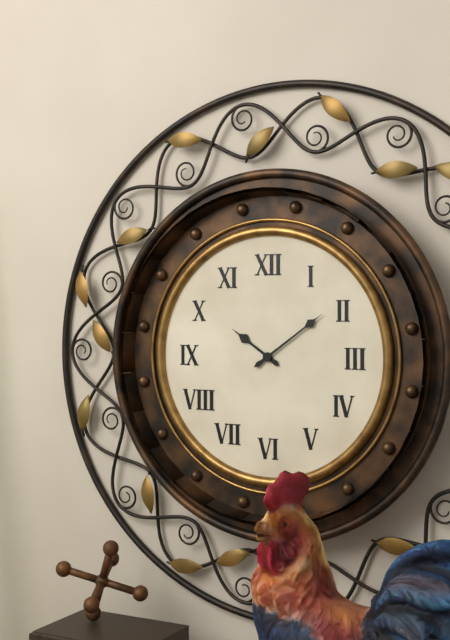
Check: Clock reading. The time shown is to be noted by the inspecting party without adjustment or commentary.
10:09
